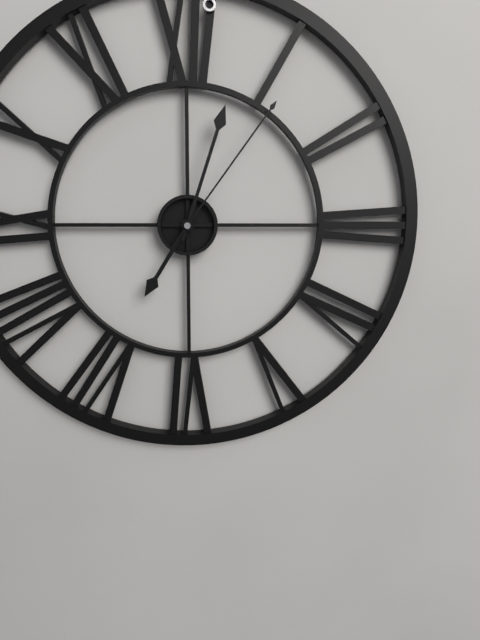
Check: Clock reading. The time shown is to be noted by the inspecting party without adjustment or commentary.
7:03:06
